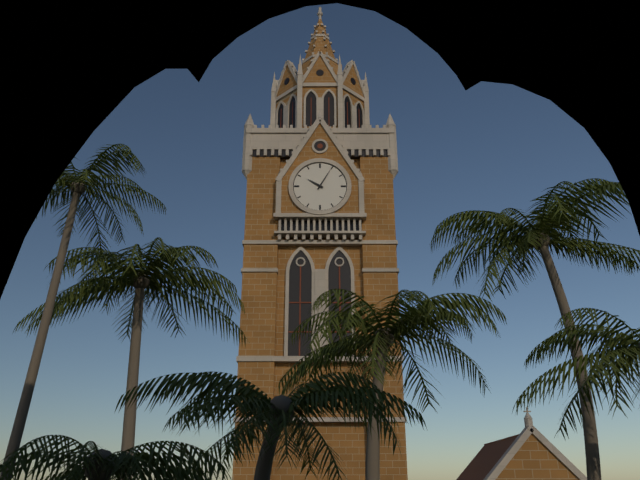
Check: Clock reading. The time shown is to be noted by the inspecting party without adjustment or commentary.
10:05
